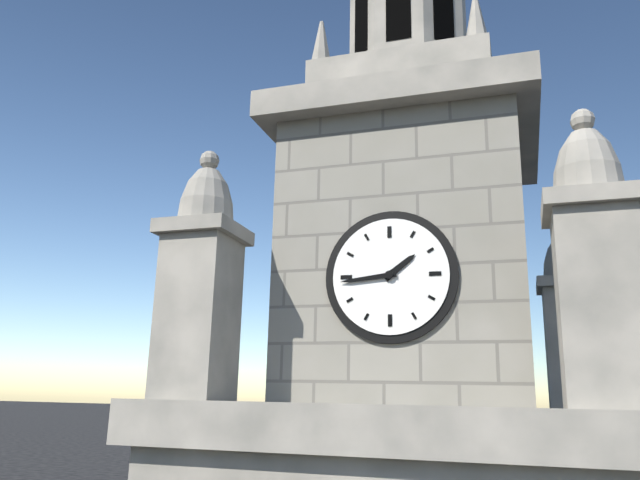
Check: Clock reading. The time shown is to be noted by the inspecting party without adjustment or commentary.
1:44
